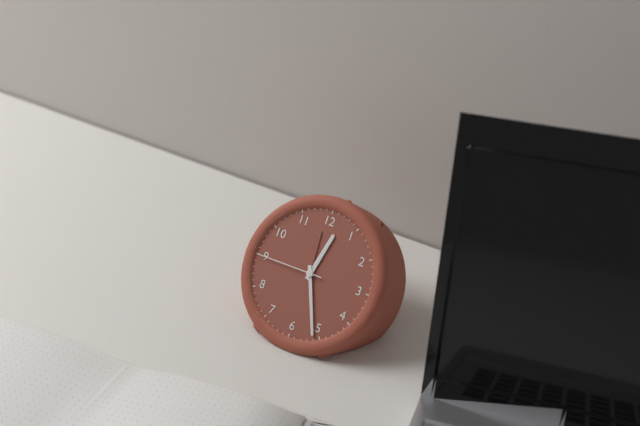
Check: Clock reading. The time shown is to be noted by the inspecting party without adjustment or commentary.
12:26:45
